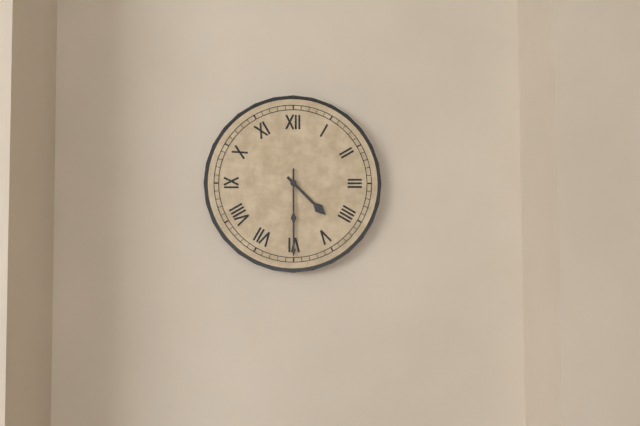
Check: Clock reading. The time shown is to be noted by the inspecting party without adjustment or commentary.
4:30
